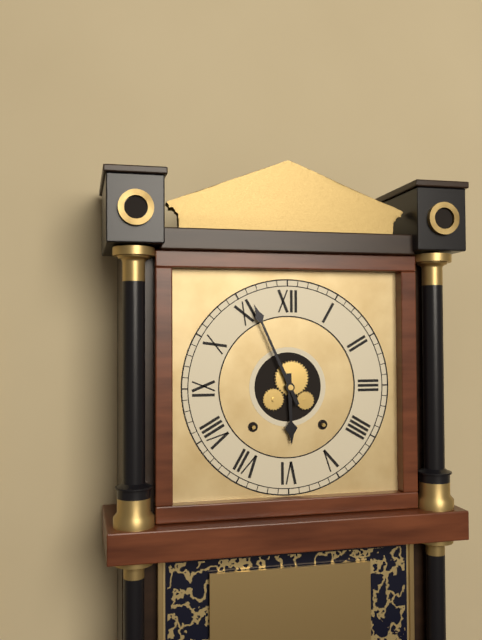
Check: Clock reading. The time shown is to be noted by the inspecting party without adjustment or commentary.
5:56
